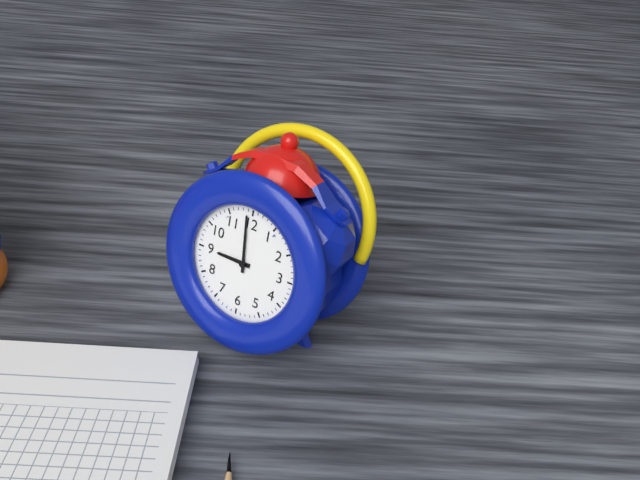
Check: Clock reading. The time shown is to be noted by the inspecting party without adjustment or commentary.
8:59
